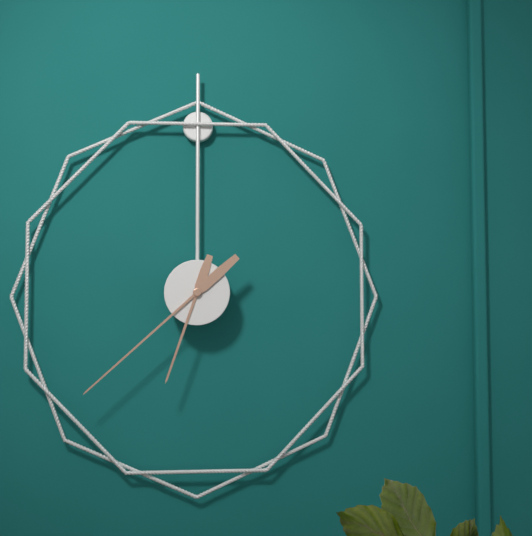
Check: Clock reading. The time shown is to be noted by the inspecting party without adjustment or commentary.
6:38
